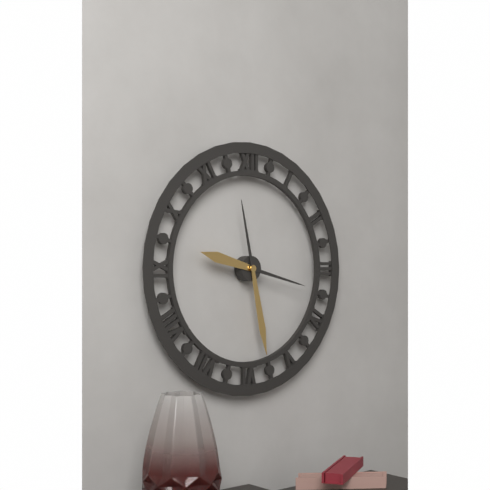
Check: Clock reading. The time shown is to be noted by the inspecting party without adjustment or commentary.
9:28
